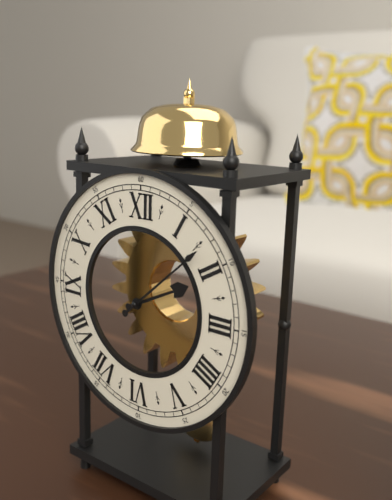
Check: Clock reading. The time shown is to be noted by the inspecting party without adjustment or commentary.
2:08
